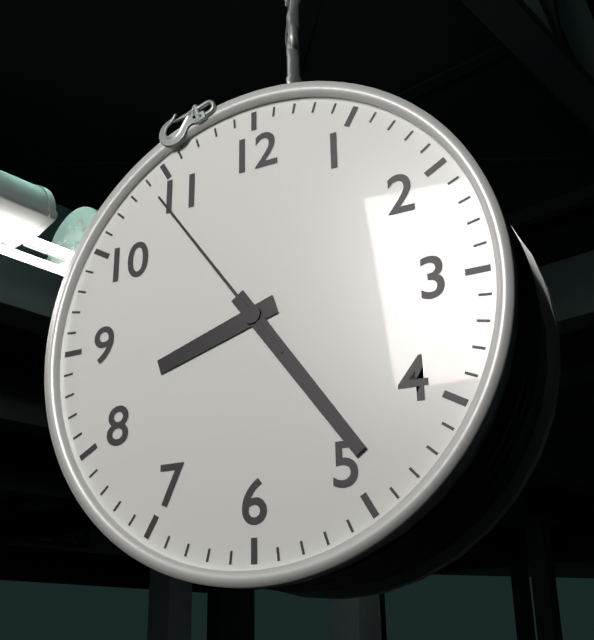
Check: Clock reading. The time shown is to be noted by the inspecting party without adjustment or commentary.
8:24:54
